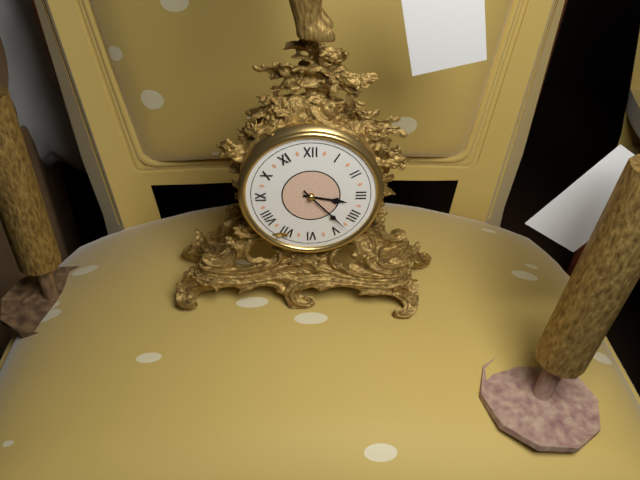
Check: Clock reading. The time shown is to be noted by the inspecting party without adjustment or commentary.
3:23
